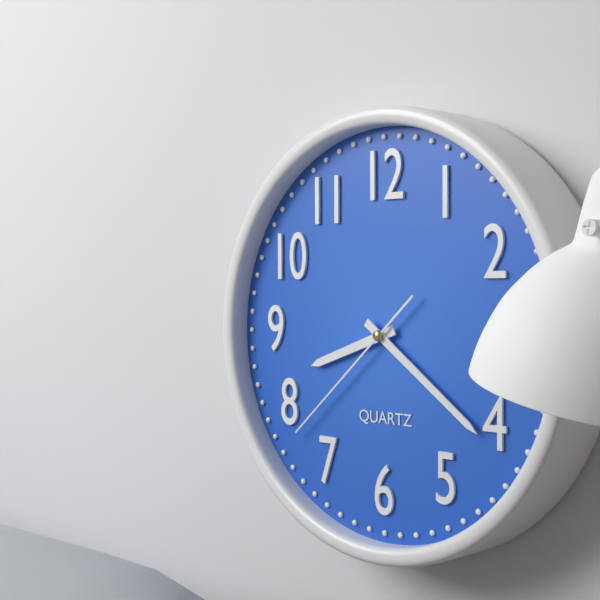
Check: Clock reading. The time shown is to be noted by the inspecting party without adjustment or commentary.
8:21:38
